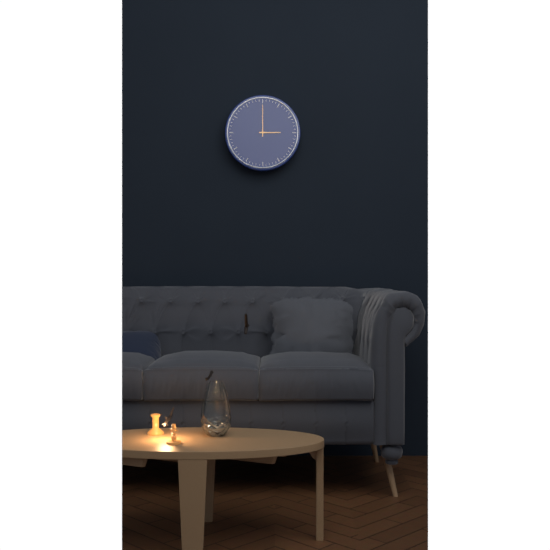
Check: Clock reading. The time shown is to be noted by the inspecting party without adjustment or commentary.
3:00
